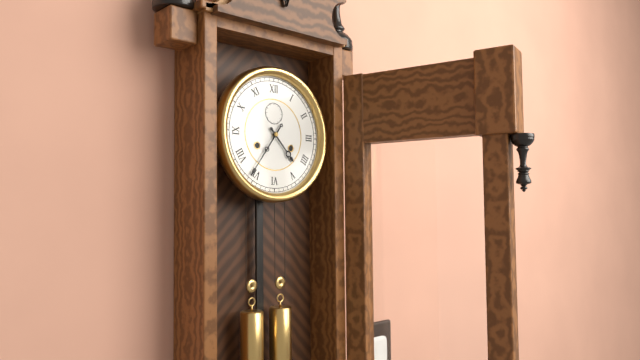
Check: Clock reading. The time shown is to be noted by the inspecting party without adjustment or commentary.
4:36
